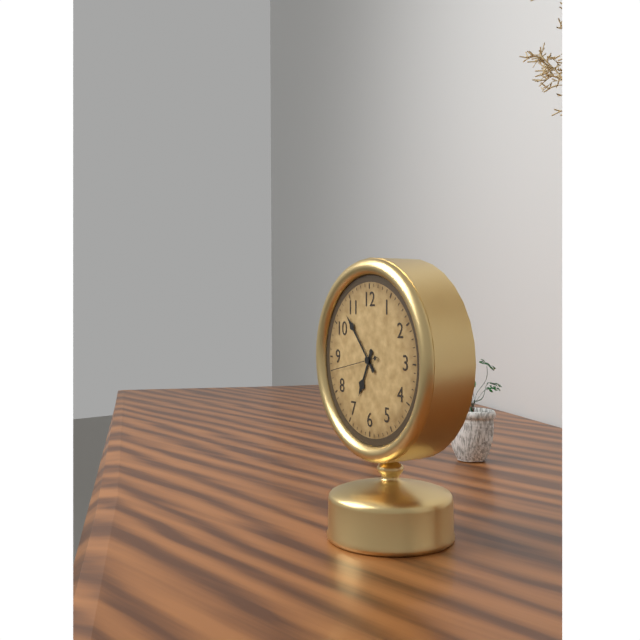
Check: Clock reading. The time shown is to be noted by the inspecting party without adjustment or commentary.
6:53
